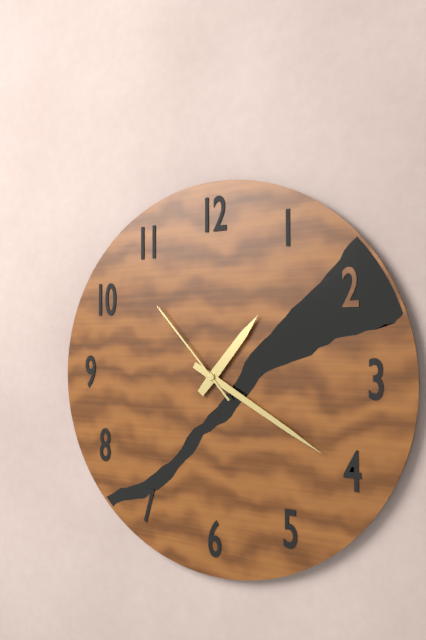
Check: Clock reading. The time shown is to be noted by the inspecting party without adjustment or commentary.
1:20:53
